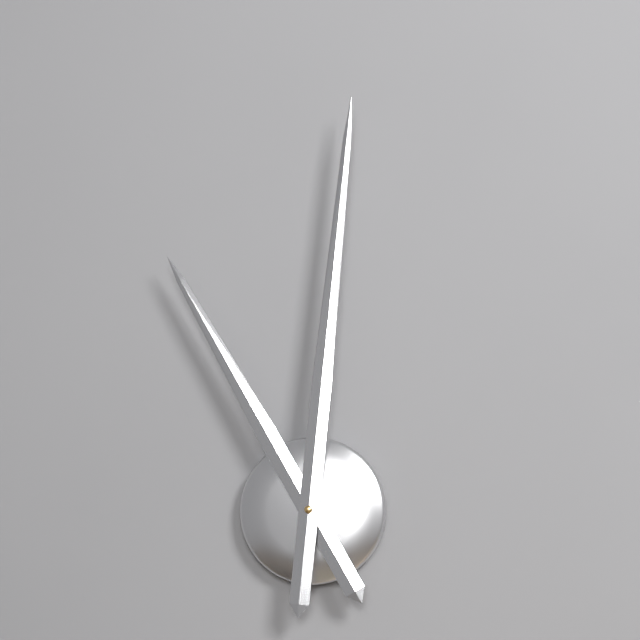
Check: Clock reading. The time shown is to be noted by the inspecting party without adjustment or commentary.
11:01
